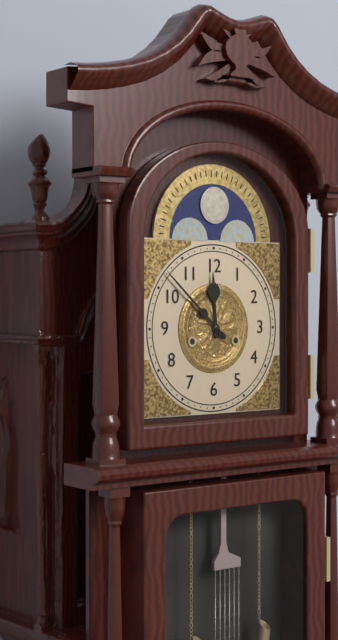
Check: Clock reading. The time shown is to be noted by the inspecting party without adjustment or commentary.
11:52
